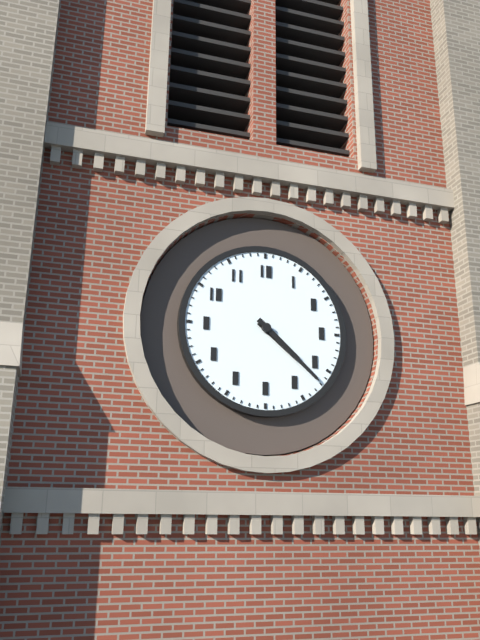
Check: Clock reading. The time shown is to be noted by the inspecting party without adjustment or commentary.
4:22
